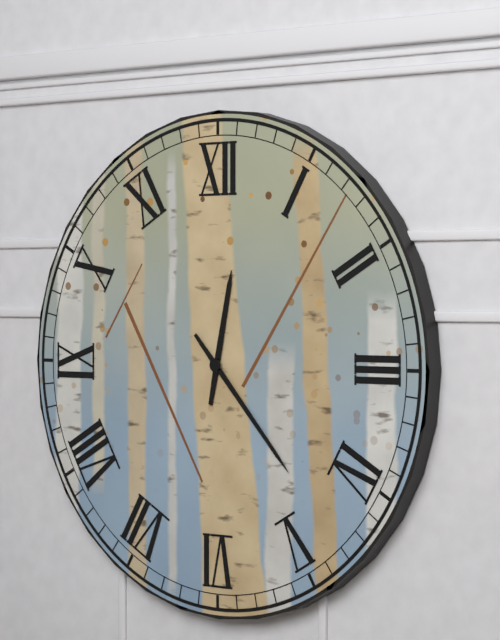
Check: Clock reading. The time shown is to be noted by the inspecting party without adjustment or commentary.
12:23
